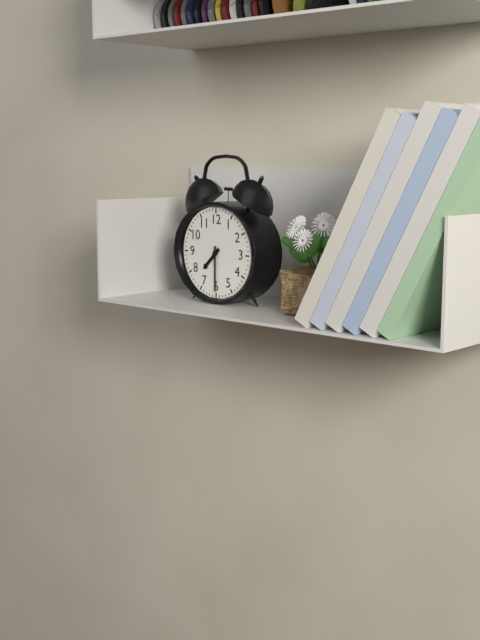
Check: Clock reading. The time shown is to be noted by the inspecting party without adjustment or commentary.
7:30
